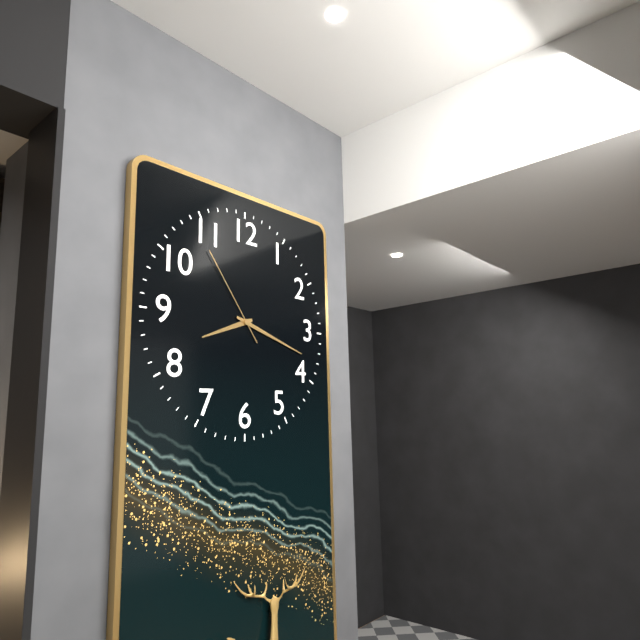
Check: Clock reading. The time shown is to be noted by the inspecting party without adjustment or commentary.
8:18:54
